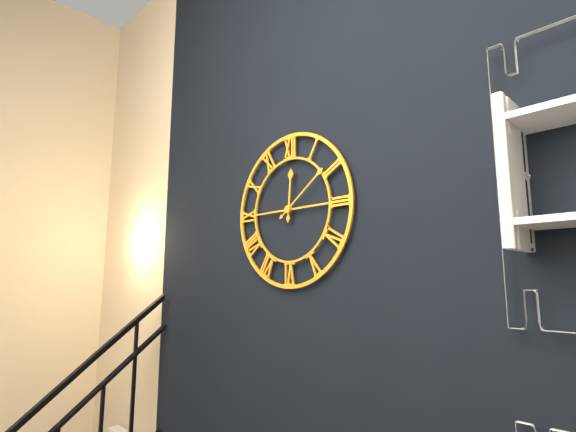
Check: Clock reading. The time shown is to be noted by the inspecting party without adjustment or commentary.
12:09
